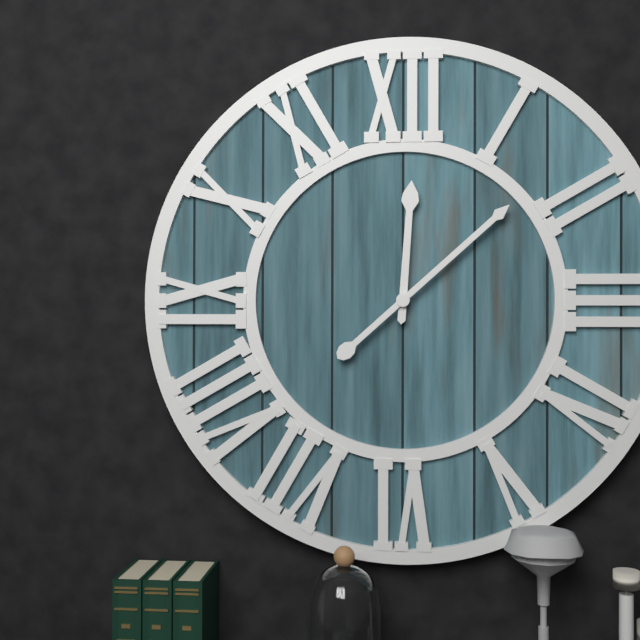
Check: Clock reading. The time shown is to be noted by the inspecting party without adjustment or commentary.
12:08
